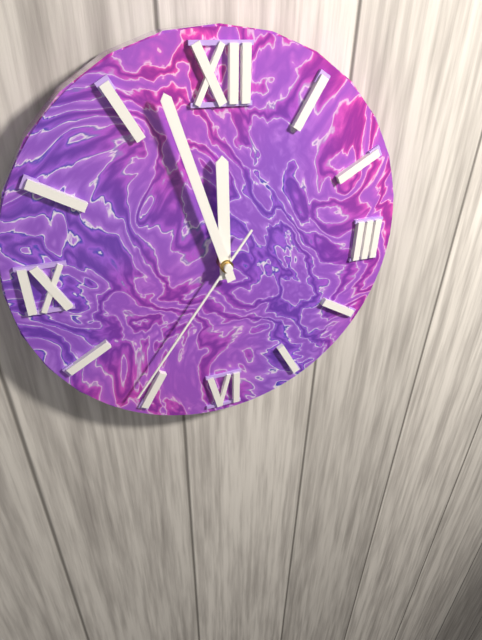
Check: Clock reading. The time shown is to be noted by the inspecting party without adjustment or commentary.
11:57:36
